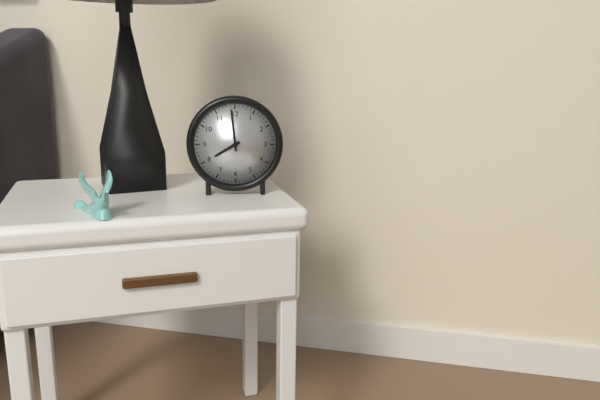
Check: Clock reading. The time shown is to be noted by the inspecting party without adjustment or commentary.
7:59
